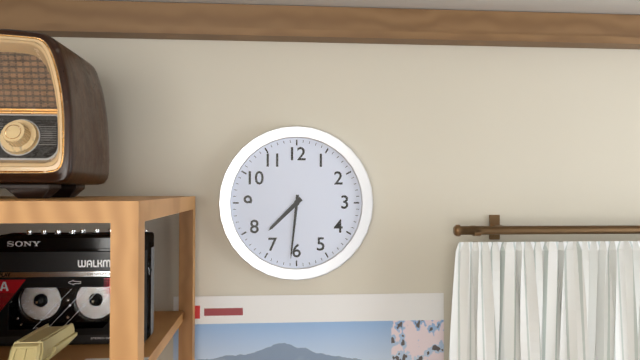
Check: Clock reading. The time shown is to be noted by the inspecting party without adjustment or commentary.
7:31
